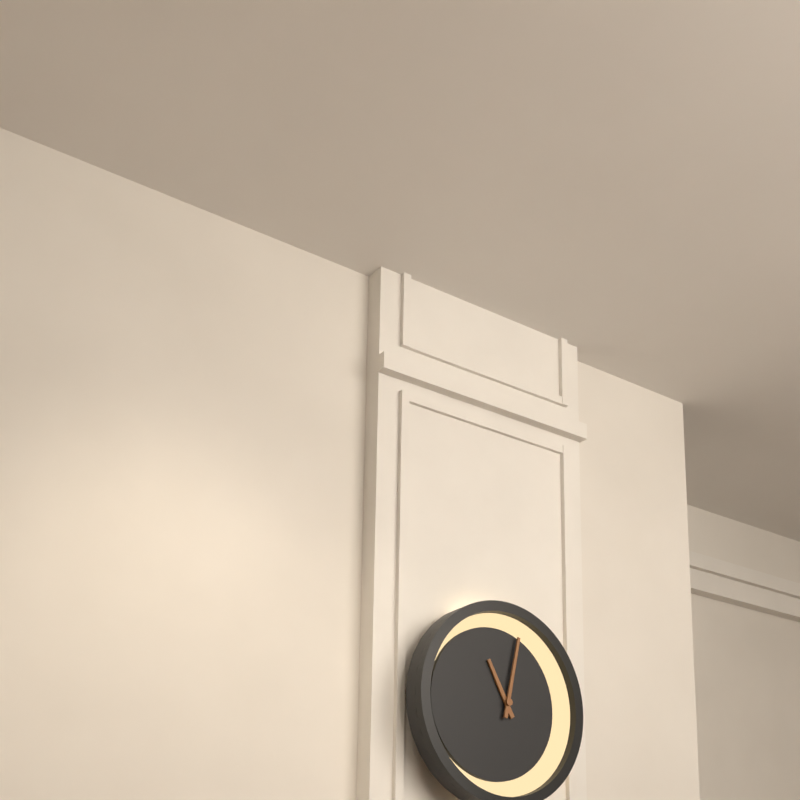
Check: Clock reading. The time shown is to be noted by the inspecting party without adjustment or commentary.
11:02
